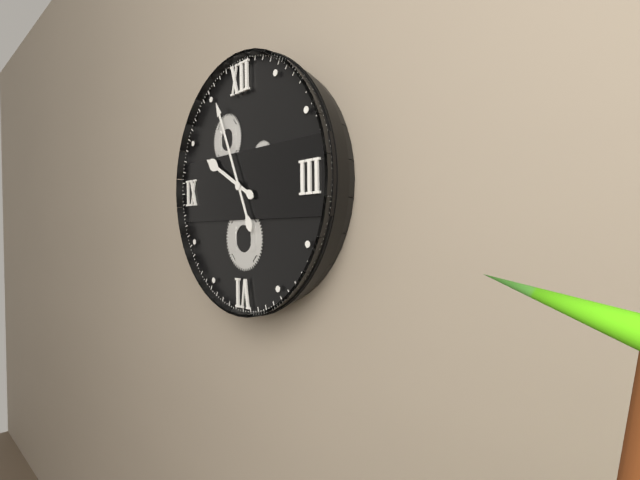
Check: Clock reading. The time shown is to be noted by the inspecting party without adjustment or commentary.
9:56
